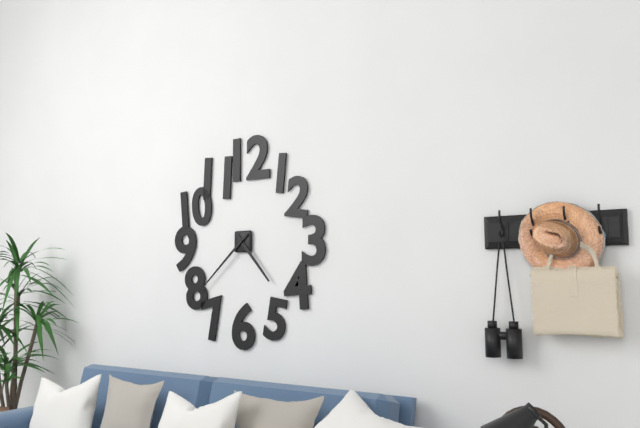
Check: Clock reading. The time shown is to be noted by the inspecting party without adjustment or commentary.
4:38
